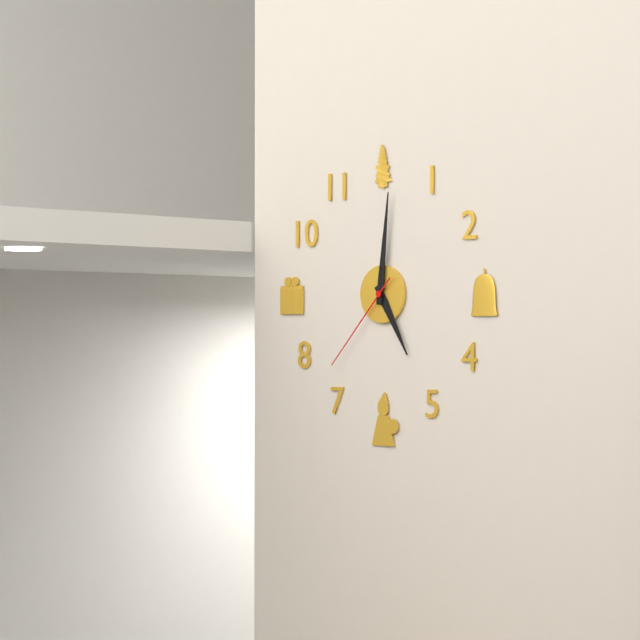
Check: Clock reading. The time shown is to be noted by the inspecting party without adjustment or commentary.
5:01:37
